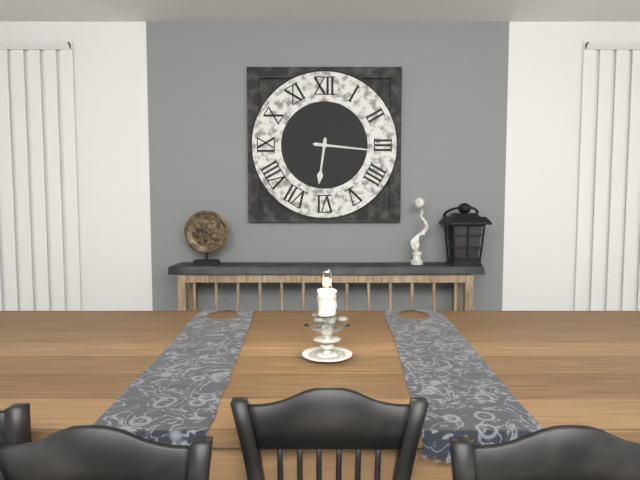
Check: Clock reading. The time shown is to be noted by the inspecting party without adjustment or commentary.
6:16
